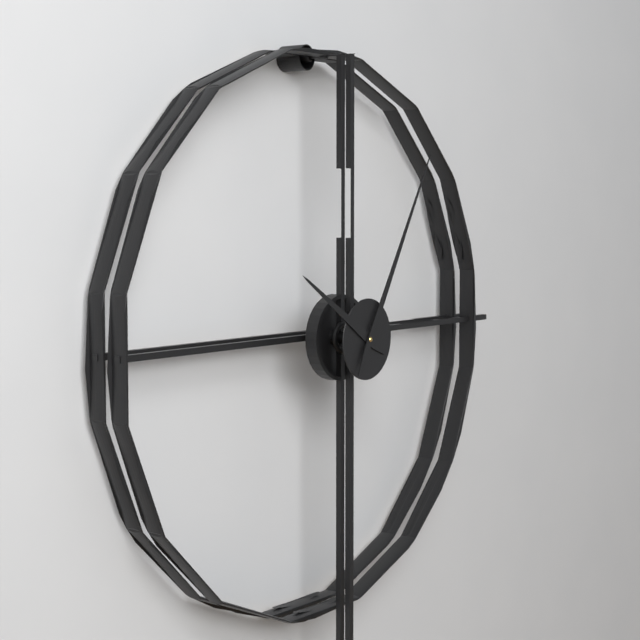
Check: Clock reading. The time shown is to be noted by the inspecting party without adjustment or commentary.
10:05
